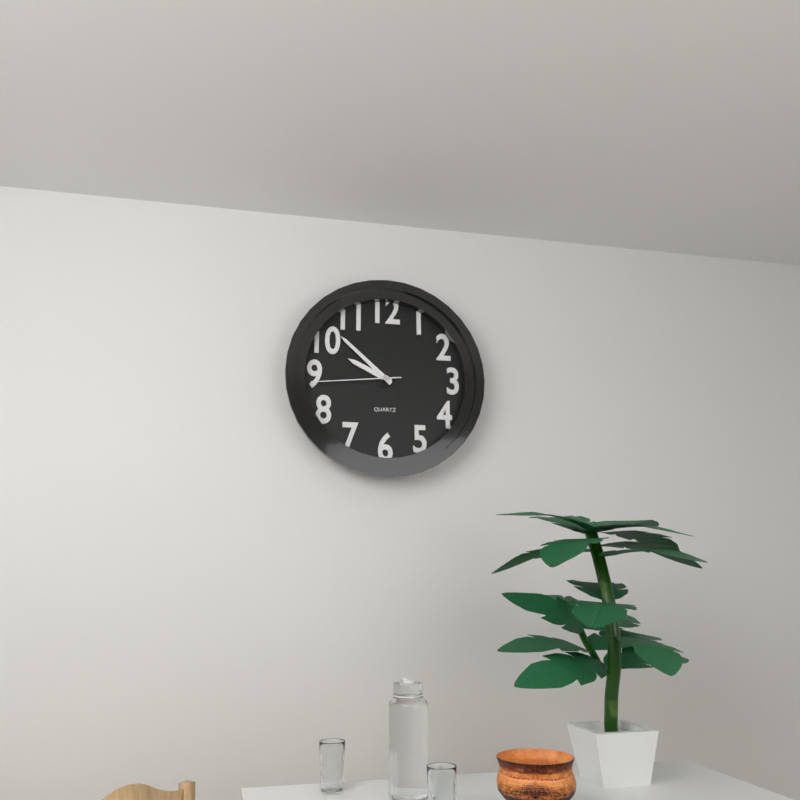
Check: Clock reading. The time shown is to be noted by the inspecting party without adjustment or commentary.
9:52:44
